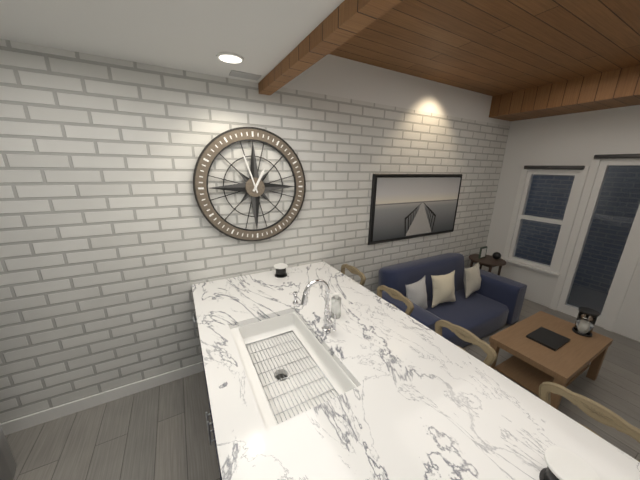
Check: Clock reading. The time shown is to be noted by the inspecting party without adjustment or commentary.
12:57
